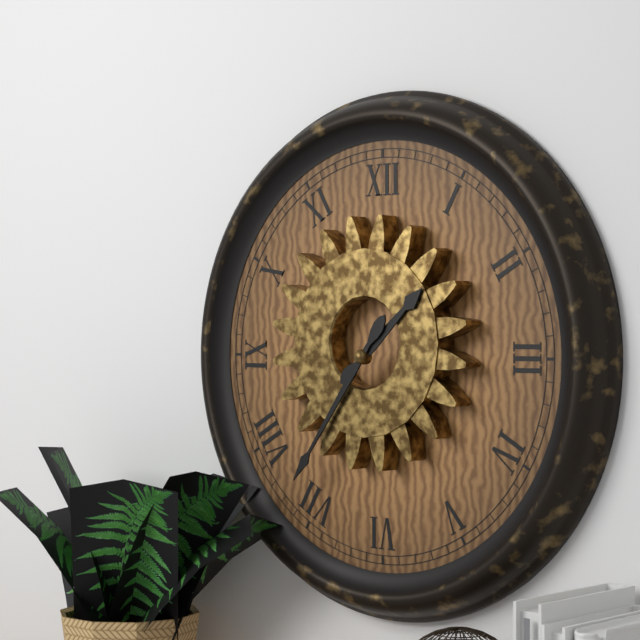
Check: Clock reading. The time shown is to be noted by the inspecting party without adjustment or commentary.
1:36
